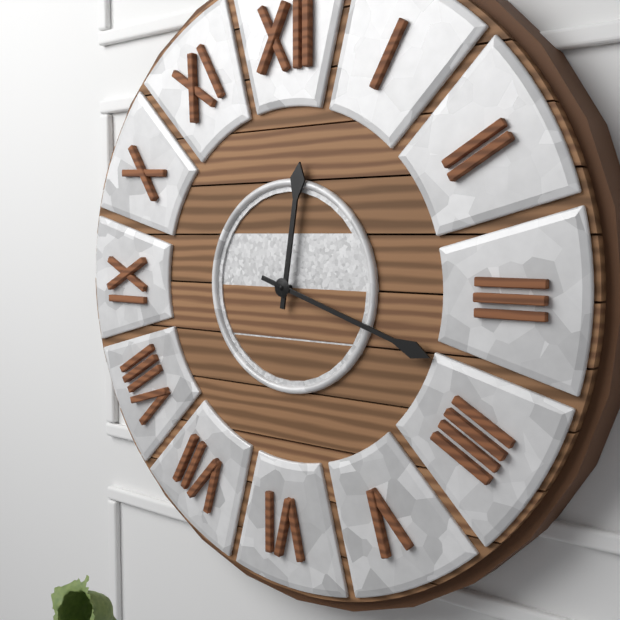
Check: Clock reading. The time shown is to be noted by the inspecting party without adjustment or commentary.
12:18
